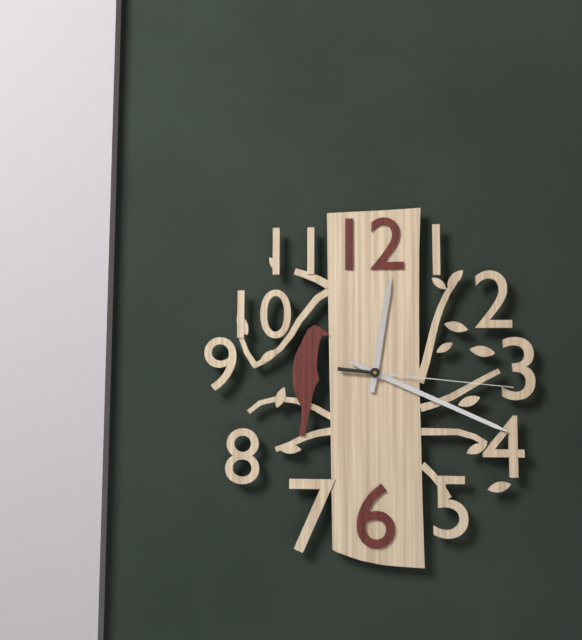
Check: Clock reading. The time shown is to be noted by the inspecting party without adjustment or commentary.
12:19:16
